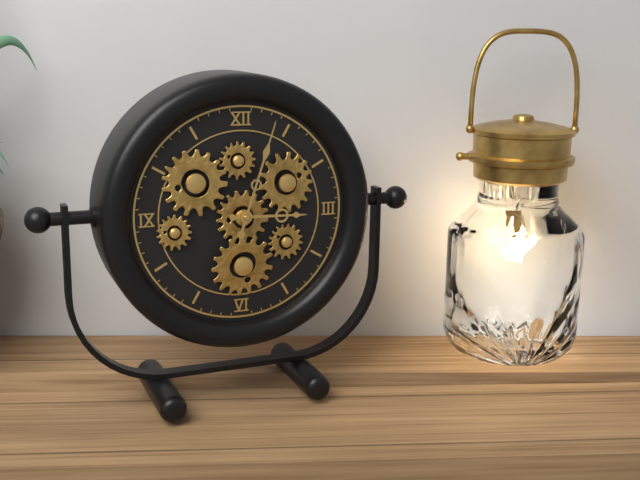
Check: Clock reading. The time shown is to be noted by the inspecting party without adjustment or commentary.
3:03
